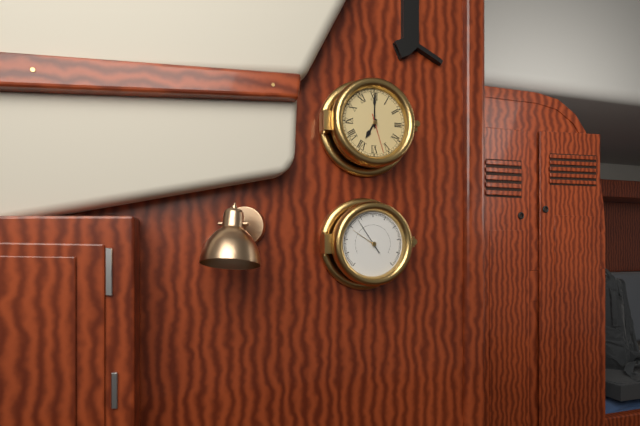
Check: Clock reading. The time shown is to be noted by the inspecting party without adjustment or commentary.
7:00
